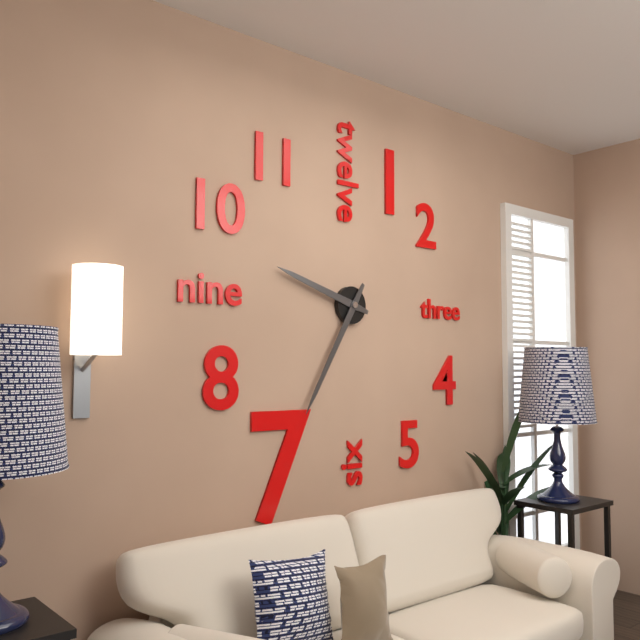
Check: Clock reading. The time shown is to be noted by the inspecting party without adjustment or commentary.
9:35
